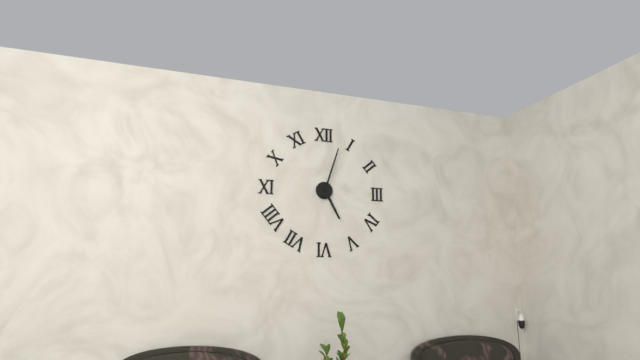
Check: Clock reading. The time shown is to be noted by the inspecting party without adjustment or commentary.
5:03
